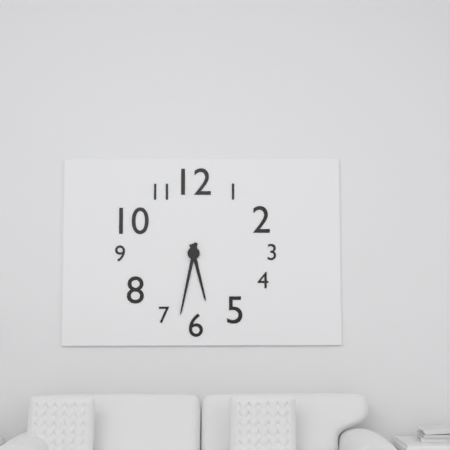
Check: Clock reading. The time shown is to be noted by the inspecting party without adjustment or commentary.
5:32
